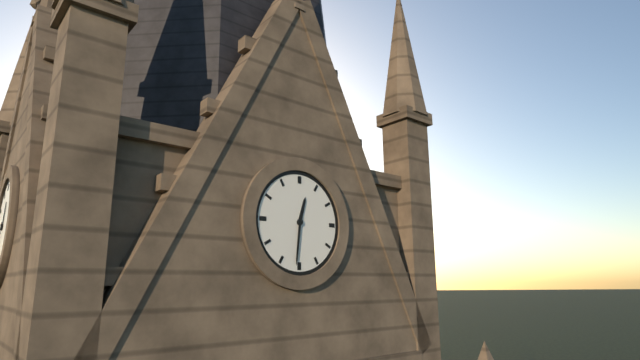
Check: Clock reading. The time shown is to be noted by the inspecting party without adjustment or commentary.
12:31
